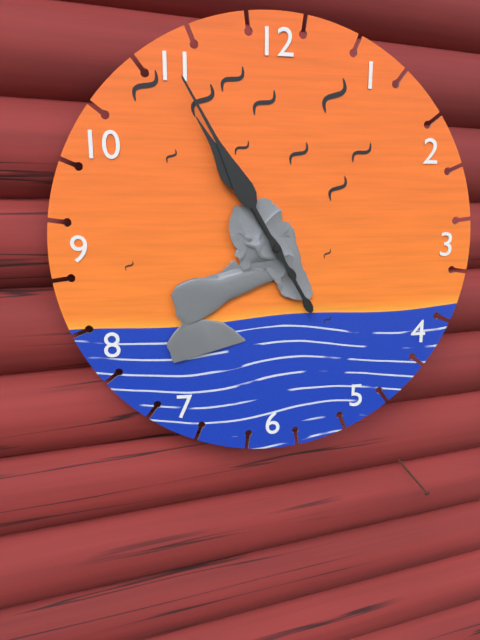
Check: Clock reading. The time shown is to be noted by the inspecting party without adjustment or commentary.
10:55
